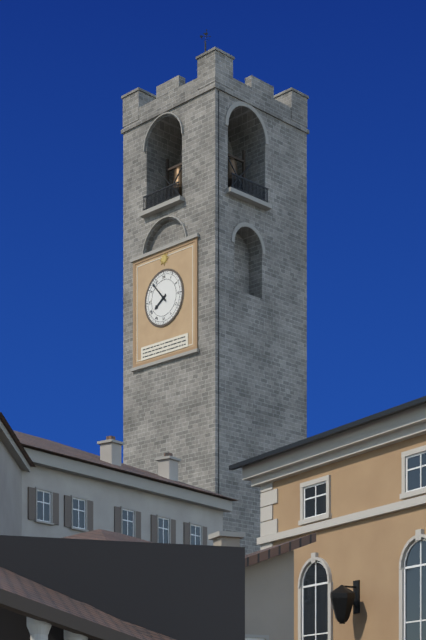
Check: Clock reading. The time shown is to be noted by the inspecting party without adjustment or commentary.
7:53
